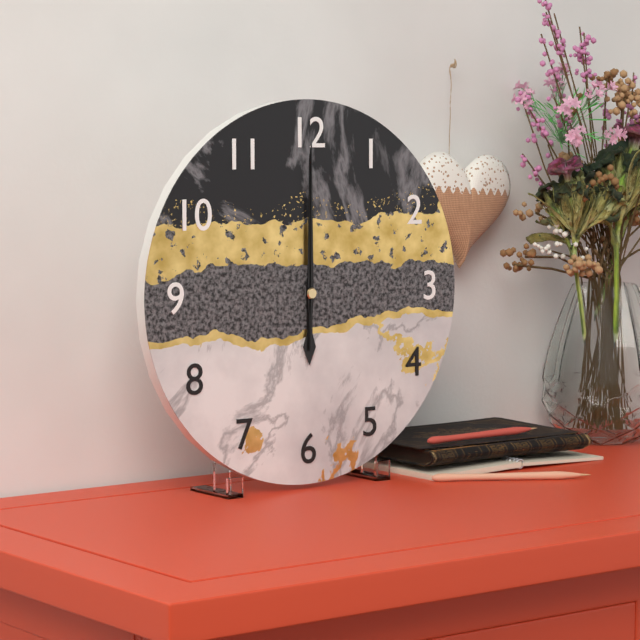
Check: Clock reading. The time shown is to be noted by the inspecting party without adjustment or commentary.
6:00:00
